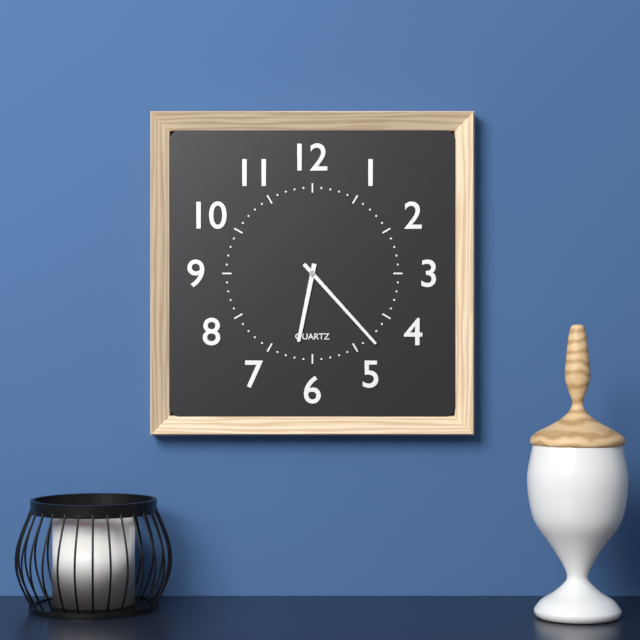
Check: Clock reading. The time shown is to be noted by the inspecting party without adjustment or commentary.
6:23
